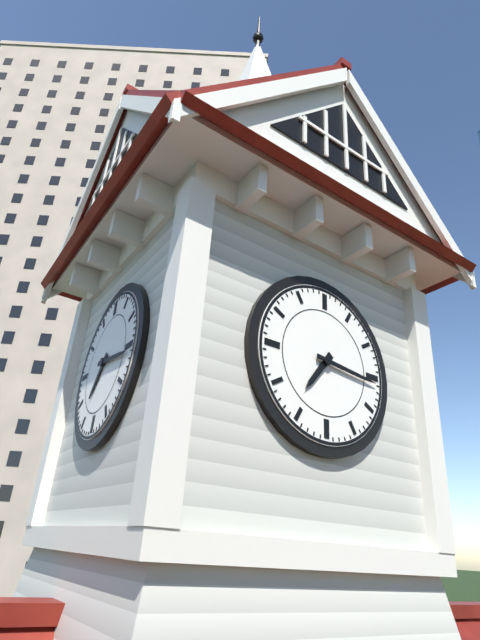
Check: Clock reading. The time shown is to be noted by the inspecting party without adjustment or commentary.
7:16
